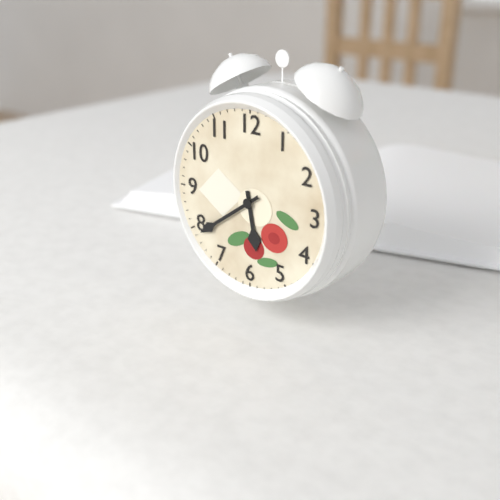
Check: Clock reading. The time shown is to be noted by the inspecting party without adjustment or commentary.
5:39
